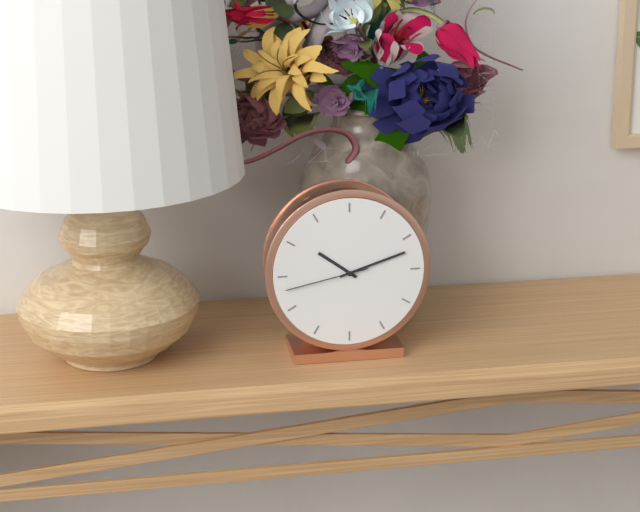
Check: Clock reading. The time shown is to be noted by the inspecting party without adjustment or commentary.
10:12:43
